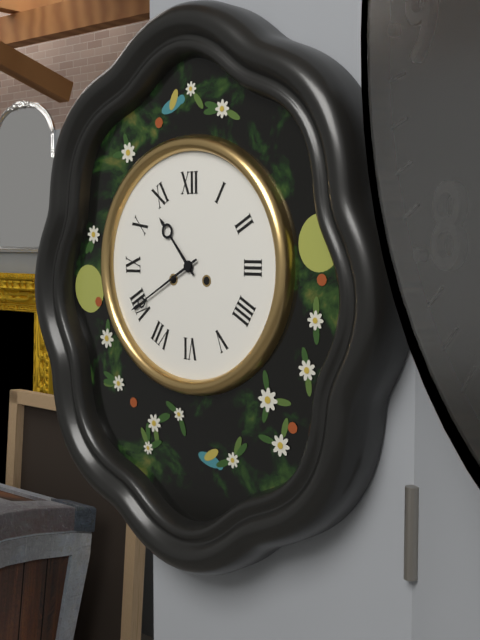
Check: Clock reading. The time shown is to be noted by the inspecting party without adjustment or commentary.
10:40
